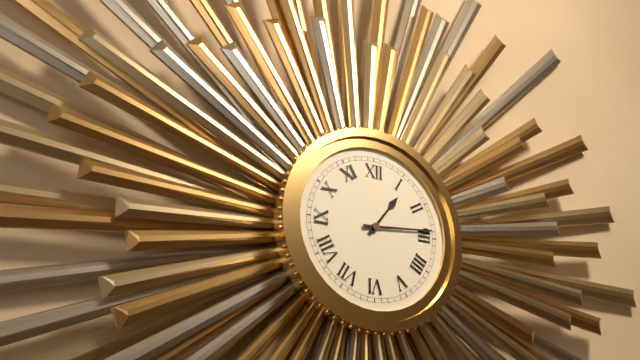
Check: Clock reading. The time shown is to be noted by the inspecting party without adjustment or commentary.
1:14
